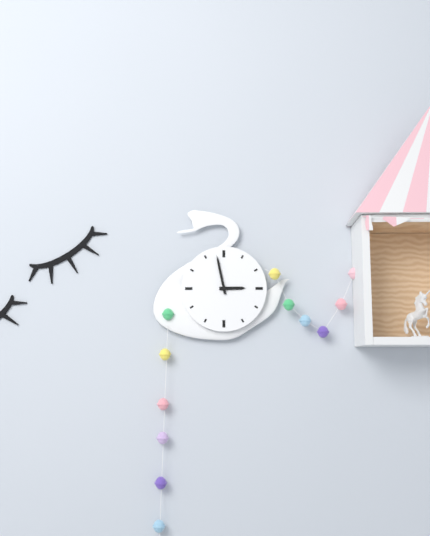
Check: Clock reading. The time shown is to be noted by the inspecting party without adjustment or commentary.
2:58
